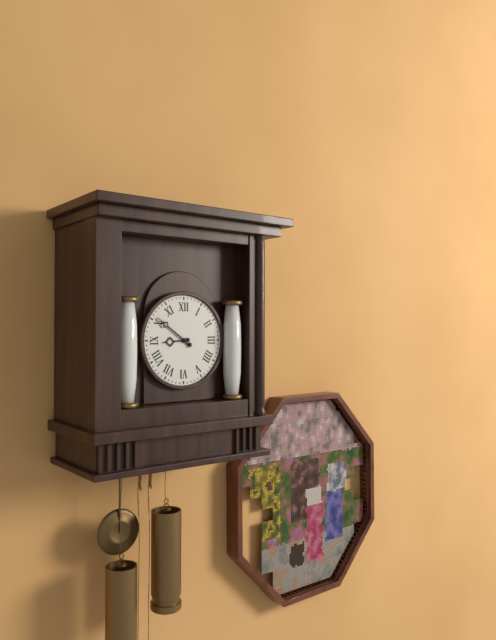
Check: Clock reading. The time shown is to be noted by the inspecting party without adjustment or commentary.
8:51
